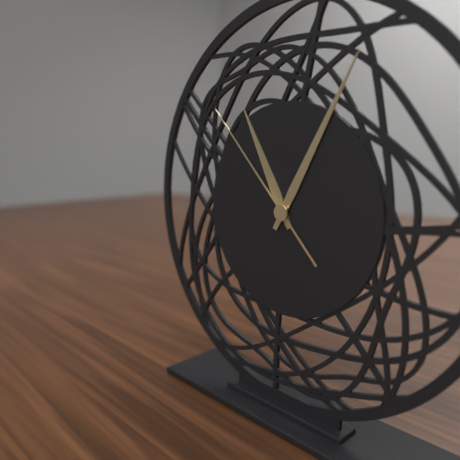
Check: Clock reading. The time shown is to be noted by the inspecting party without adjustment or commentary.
11:05:53
